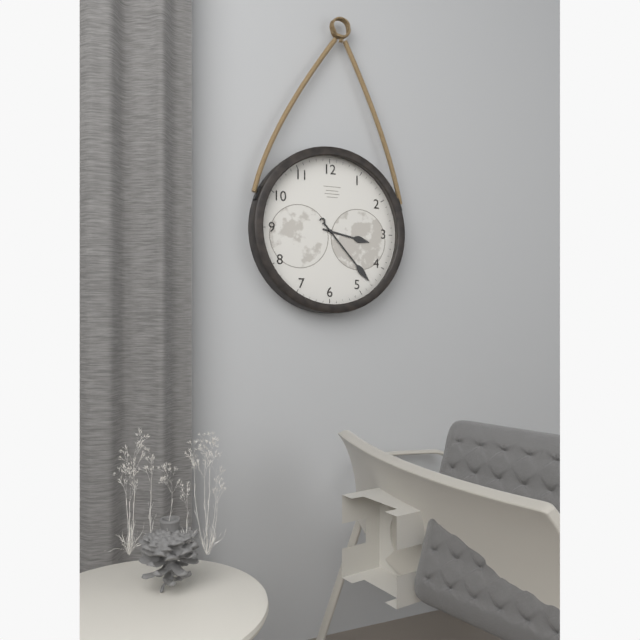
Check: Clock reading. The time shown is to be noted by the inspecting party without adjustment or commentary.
3:23
